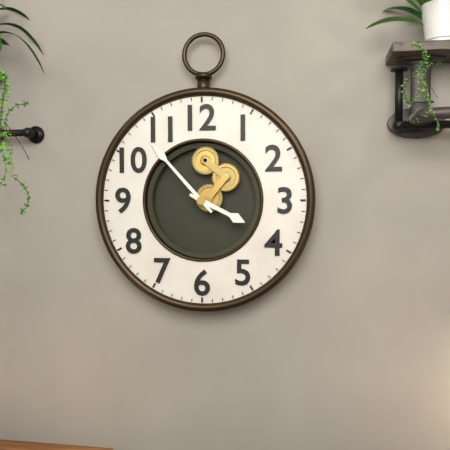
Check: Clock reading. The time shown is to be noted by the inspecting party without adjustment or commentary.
3:53
